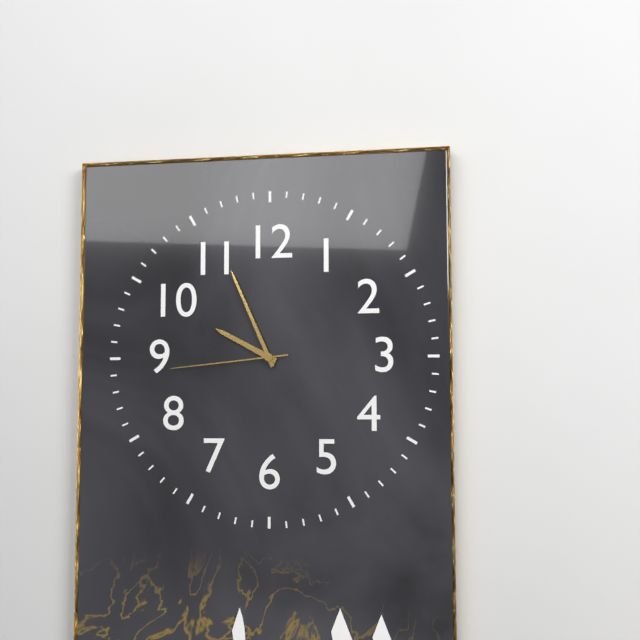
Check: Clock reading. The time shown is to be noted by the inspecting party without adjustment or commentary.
9:56:44
